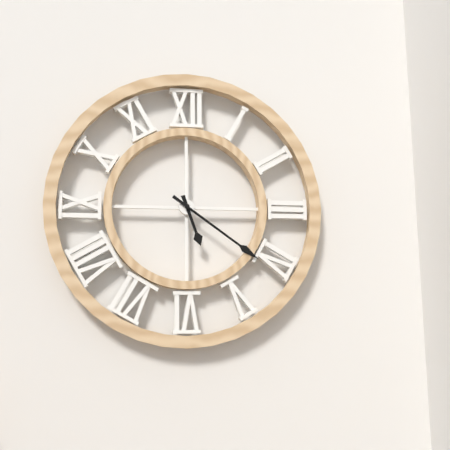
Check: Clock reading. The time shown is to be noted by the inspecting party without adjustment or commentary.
5:21
